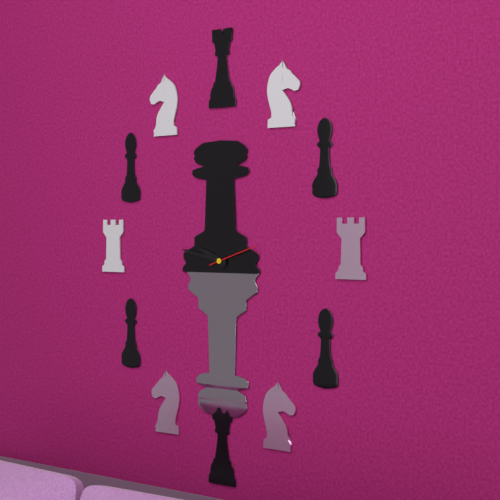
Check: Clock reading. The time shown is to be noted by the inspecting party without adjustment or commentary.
9:47:12
